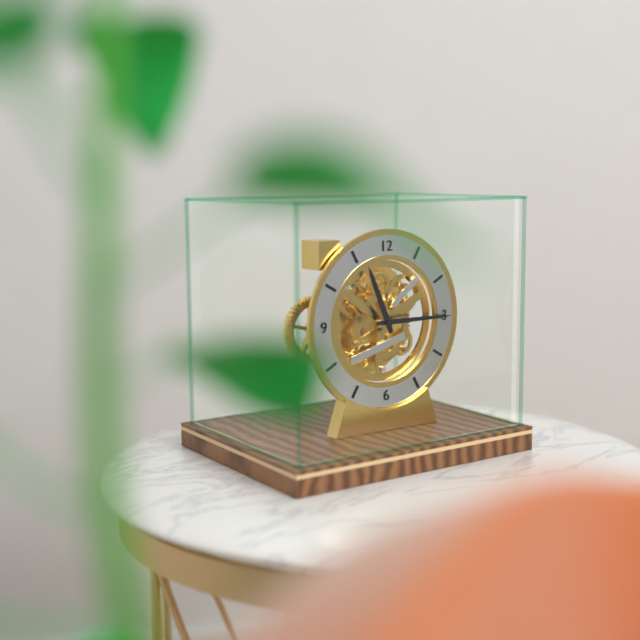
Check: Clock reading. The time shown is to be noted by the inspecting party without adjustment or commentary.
11:15
